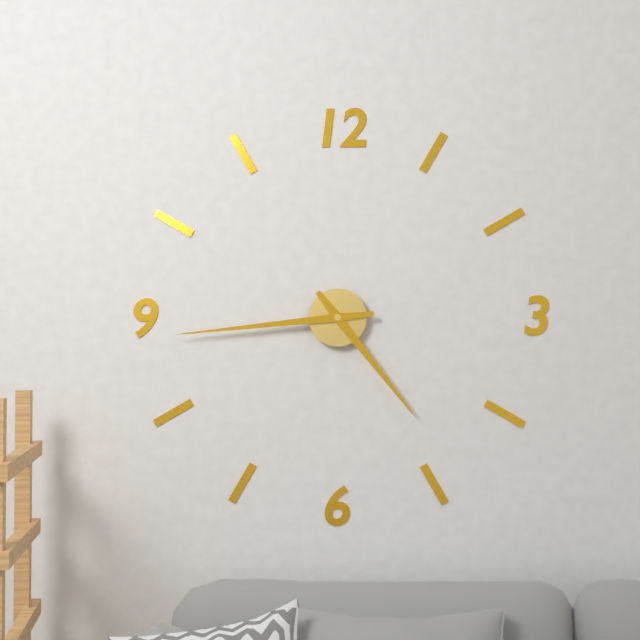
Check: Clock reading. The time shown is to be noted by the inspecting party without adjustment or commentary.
4:44
